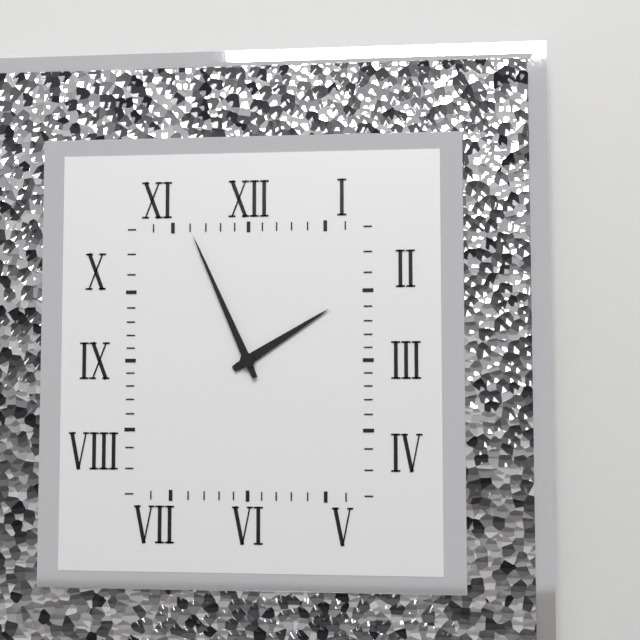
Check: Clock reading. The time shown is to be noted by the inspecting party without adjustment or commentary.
1:56
